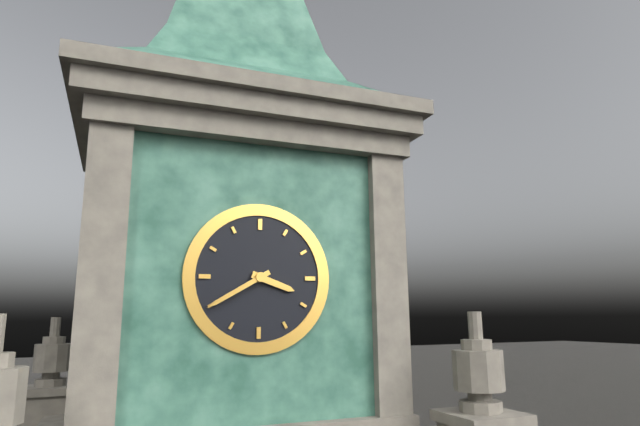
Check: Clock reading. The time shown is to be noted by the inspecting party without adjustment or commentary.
3:40
